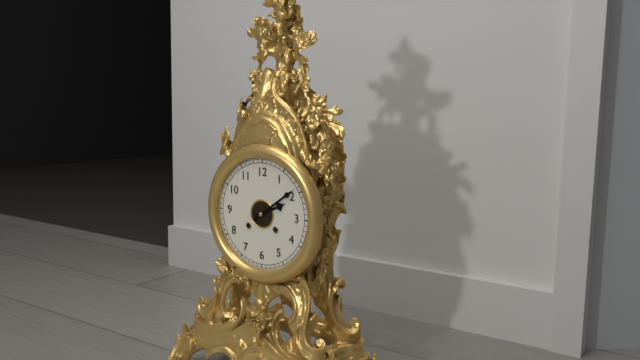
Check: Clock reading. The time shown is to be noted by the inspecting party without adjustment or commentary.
2:09
